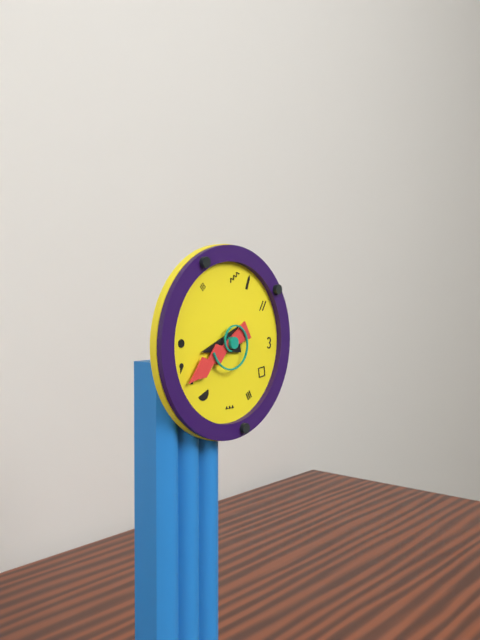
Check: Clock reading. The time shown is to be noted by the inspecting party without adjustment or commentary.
8:40
